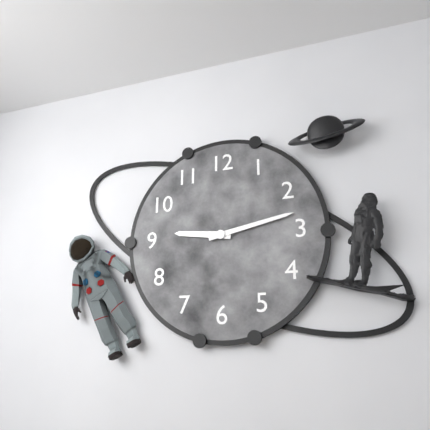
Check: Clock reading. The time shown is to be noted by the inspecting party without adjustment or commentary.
9:13
